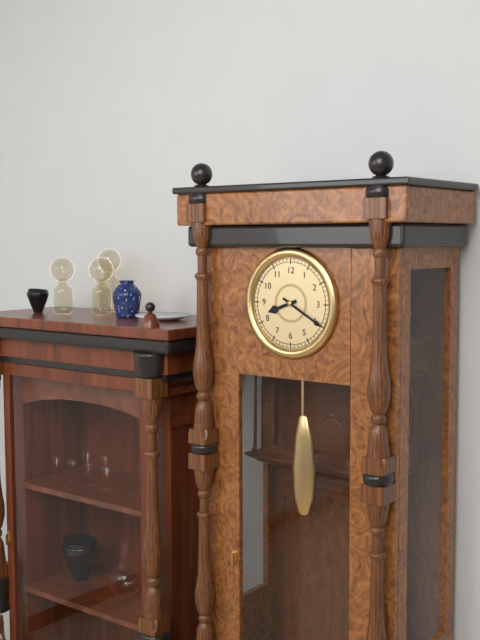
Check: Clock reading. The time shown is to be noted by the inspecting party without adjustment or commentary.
8:20
